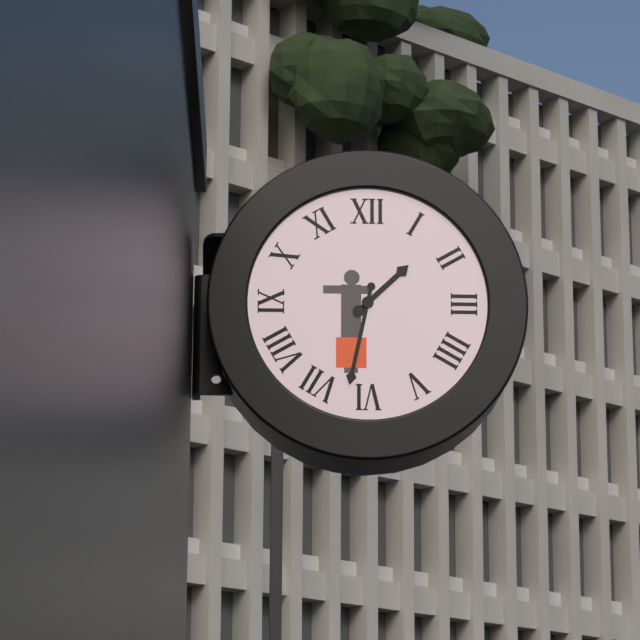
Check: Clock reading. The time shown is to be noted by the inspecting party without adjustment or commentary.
1:32
